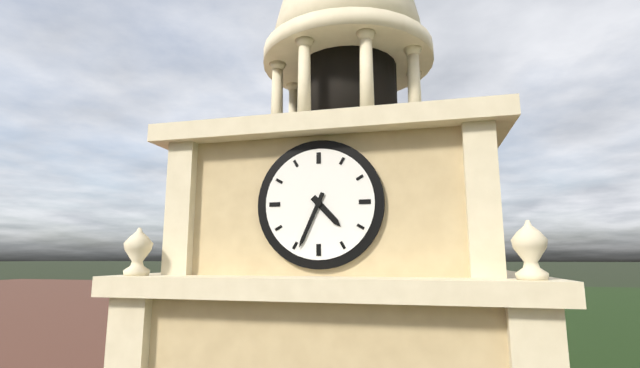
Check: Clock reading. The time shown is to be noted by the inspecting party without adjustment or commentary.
4:34
